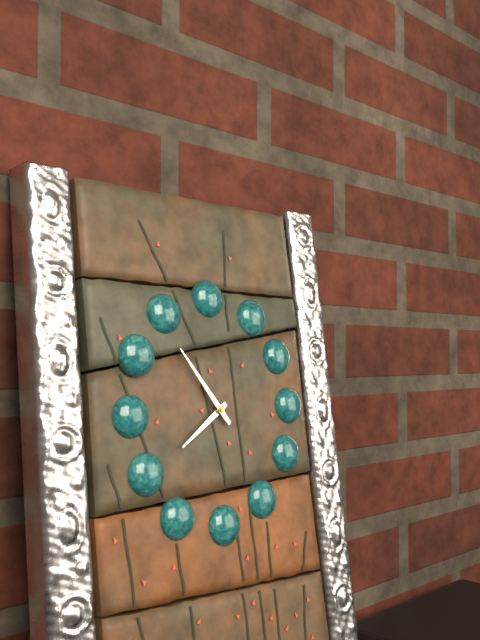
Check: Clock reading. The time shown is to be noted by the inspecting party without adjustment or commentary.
7:54
